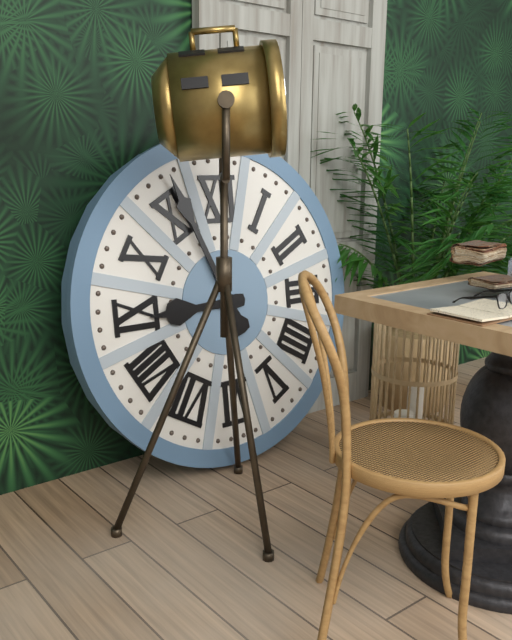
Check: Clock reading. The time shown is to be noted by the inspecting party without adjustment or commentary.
8:56
